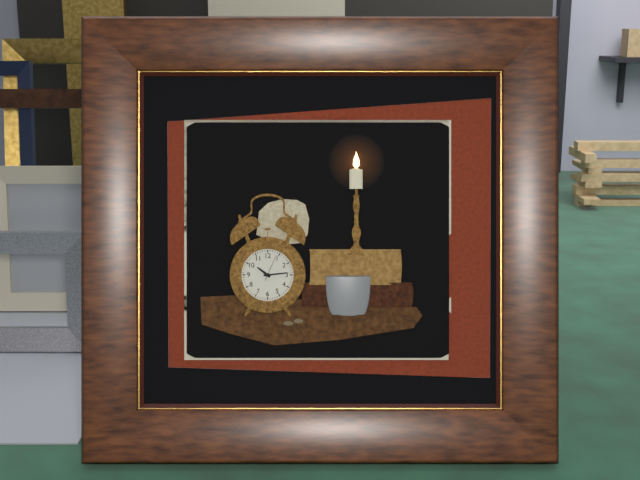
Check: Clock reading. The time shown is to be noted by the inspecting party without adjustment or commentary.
10:14
